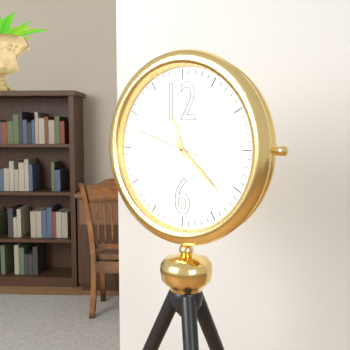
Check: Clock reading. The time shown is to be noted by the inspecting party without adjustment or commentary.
11:22:48
